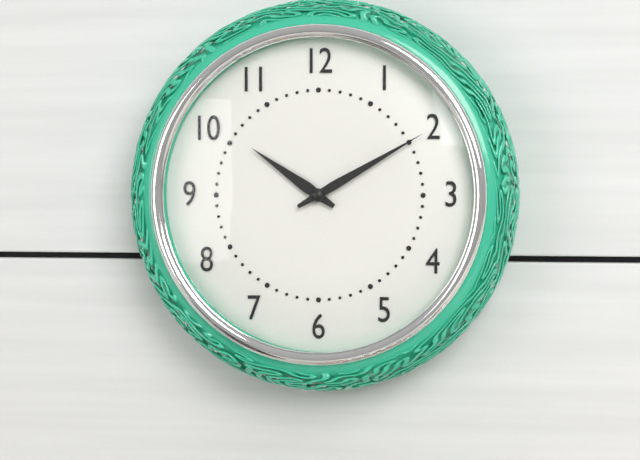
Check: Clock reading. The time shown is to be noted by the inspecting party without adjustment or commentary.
10:10
